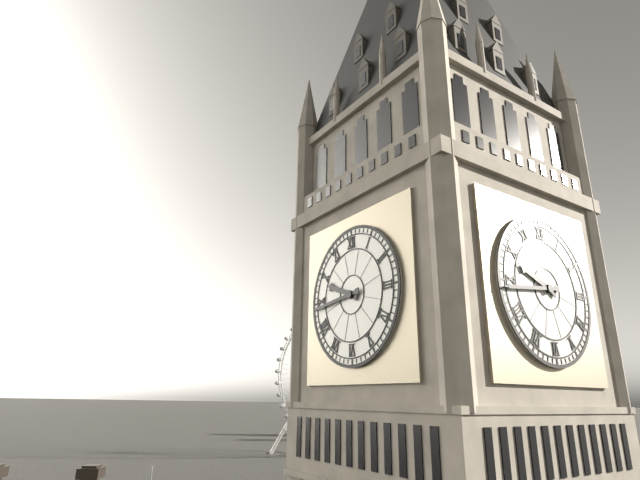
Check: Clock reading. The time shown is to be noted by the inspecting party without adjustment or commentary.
9:44
